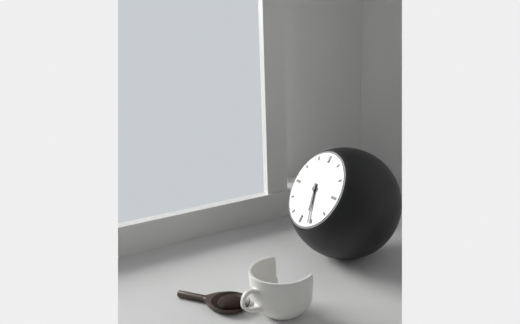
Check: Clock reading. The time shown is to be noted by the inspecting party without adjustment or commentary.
5:26
